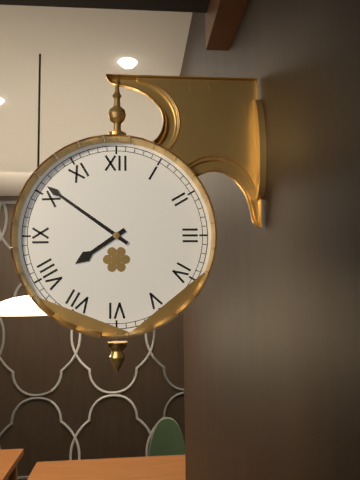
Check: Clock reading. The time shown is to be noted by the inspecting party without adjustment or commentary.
7:51
